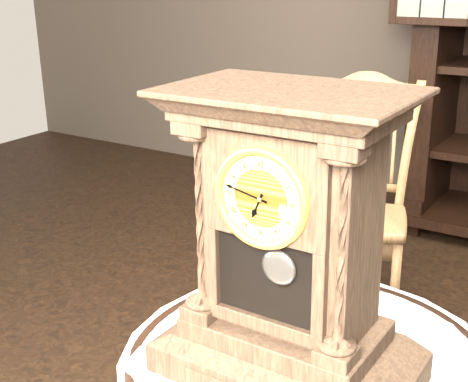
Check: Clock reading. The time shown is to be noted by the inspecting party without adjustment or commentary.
6:47
